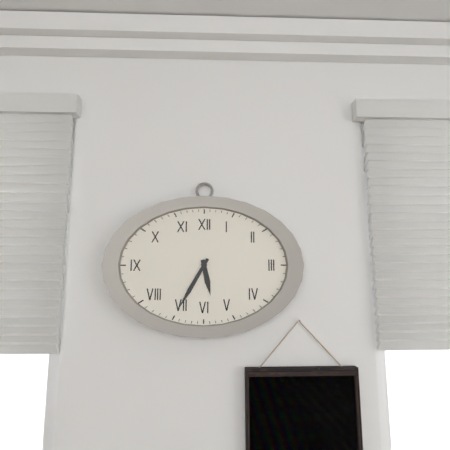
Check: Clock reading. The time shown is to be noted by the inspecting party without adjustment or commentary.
5:35
